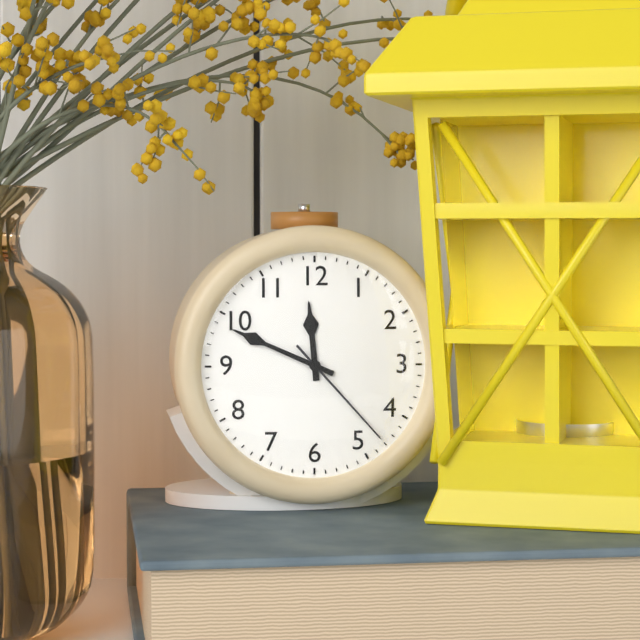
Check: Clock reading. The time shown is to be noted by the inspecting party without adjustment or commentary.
11:49:23
